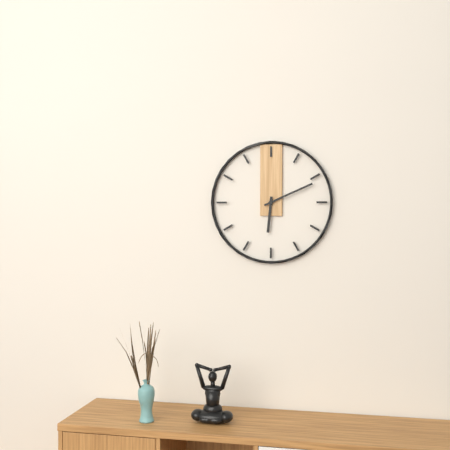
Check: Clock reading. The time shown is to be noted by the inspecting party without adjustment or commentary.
6:11
